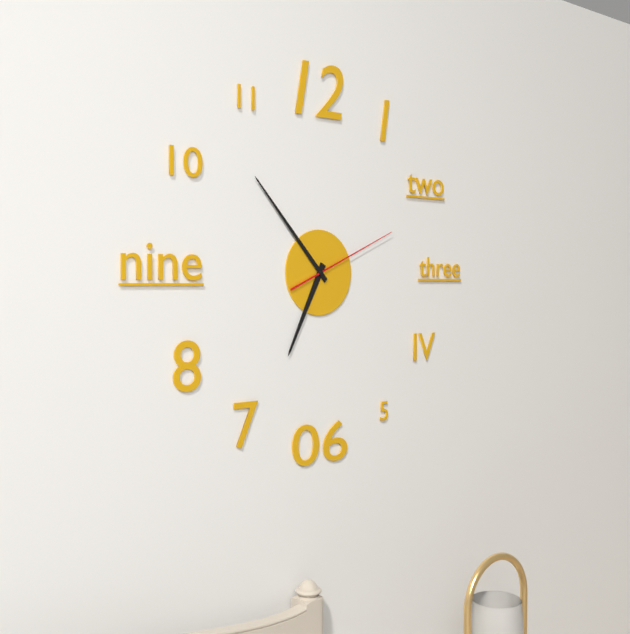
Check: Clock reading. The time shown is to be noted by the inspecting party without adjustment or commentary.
6:53:11
